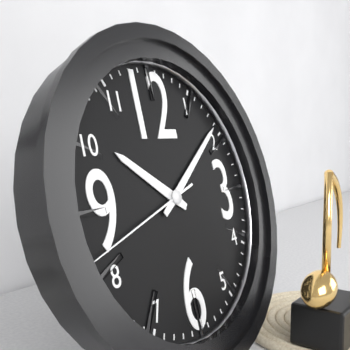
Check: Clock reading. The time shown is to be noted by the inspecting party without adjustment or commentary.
10:09:42
